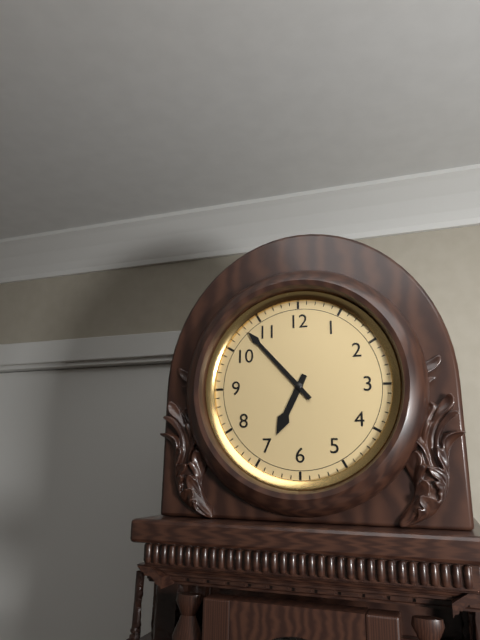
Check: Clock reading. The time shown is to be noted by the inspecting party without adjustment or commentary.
6:53
